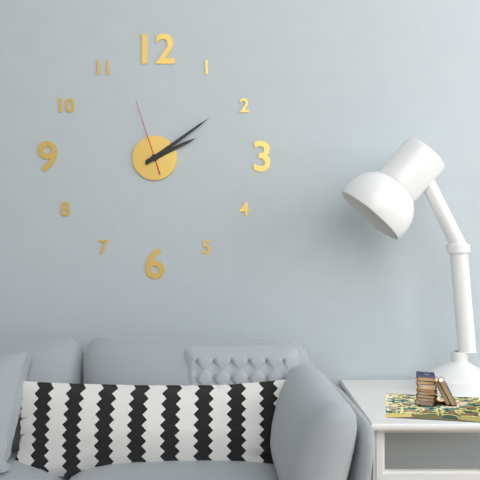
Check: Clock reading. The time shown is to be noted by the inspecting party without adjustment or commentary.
2:09:57
